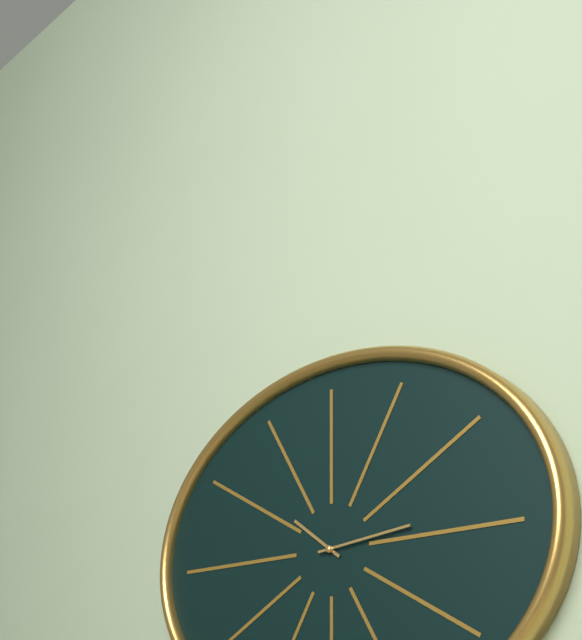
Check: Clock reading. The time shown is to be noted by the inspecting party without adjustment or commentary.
10:14
